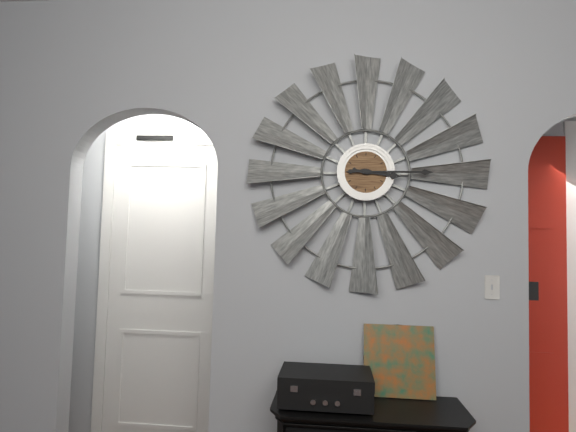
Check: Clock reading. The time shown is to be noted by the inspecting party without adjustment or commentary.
3:15
